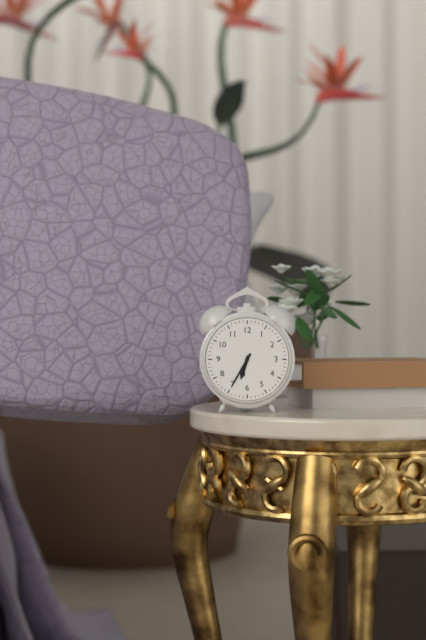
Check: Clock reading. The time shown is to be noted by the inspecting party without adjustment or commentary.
6:35
